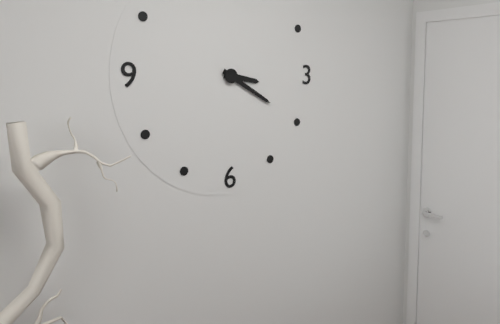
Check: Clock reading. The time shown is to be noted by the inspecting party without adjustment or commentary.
3:20
